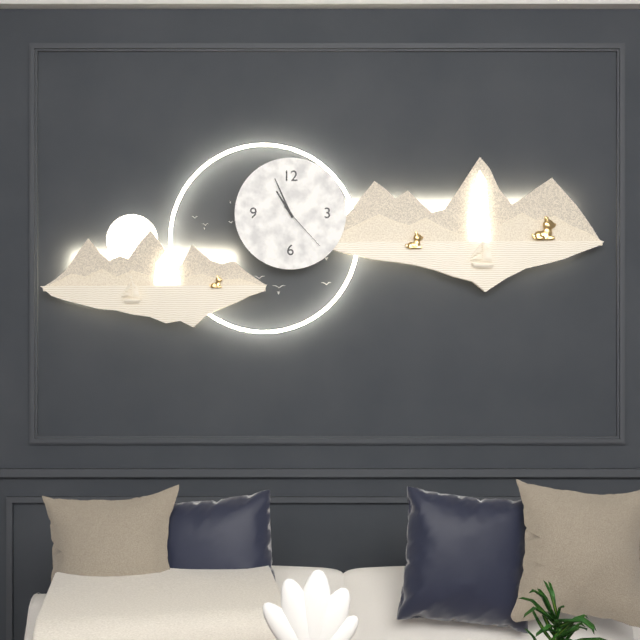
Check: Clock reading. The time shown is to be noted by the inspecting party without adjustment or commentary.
10:56:23
